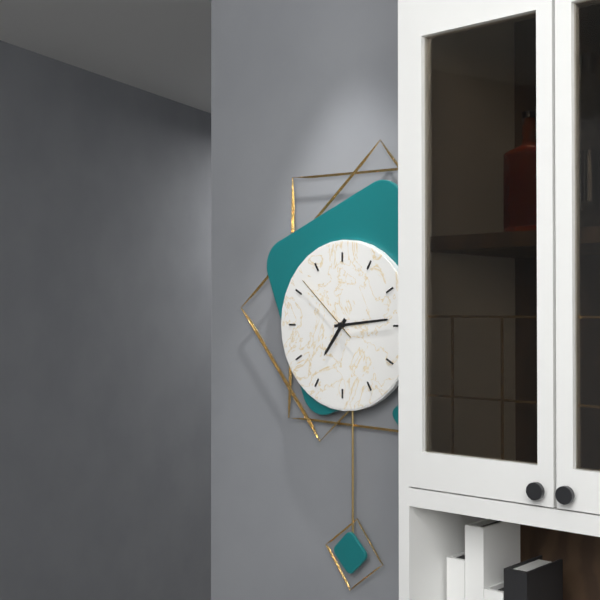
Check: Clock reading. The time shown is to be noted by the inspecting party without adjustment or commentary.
7:14:52
